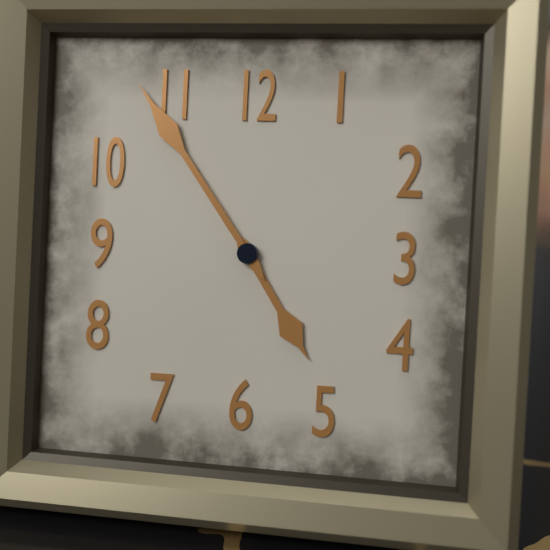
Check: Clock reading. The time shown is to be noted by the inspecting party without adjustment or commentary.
4:54
